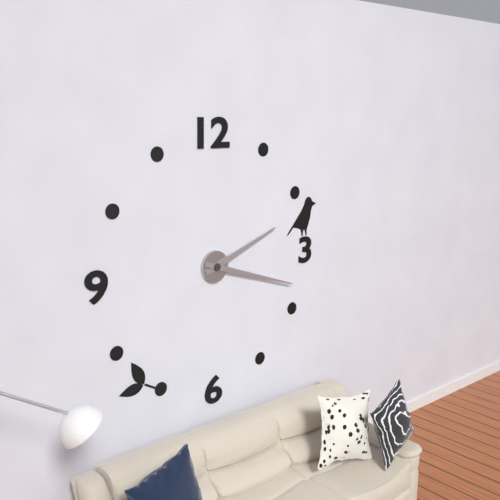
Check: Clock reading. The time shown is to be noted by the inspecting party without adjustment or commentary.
2:18
